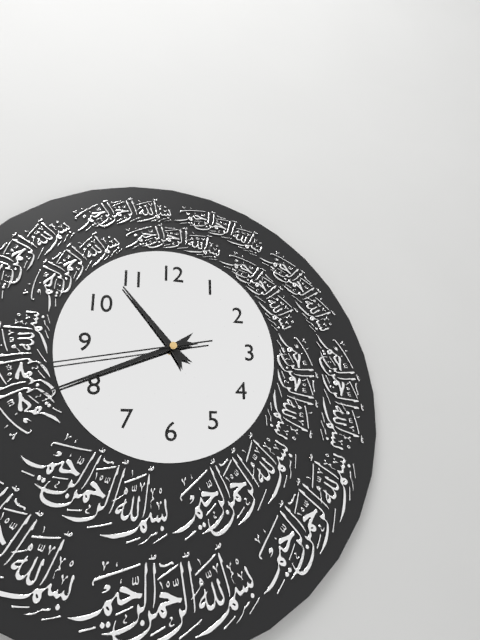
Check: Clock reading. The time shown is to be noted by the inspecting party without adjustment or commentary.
10:41:43
